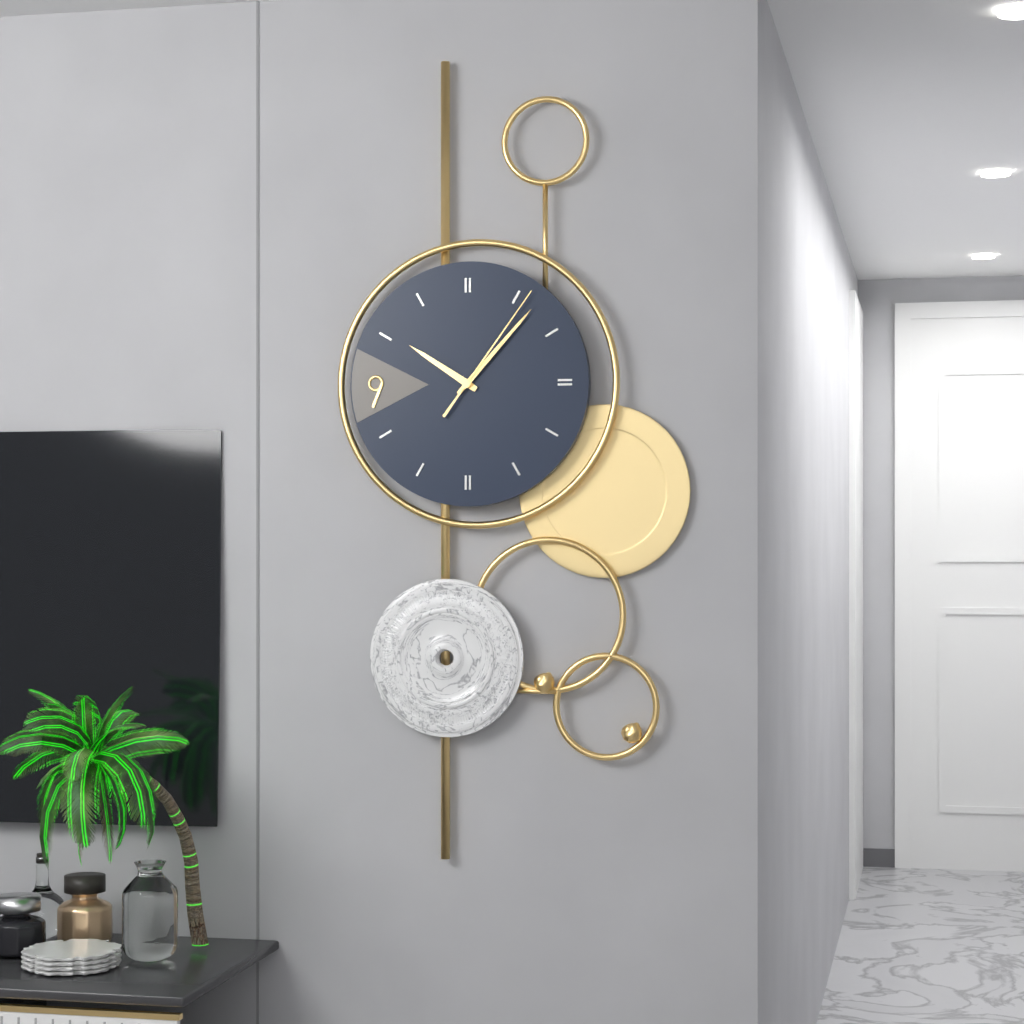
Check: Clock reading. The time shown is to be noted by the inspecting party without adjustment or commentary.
10:07:06
